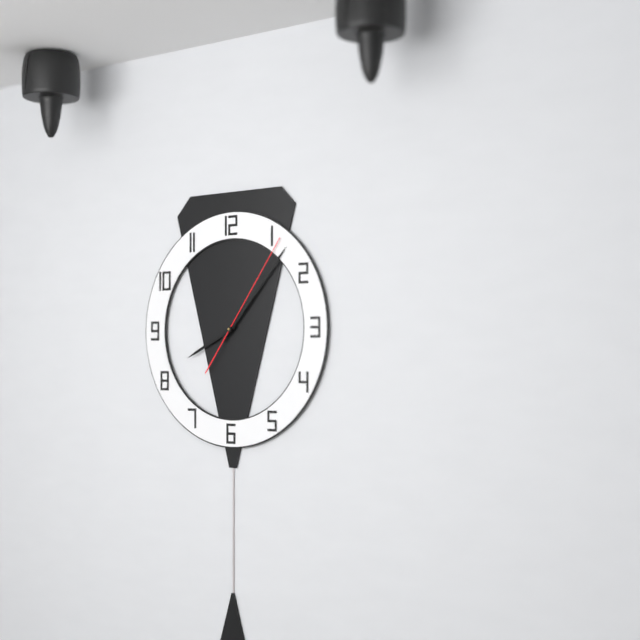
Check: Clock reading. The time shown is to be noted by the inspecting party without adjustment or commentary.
8:07:06
